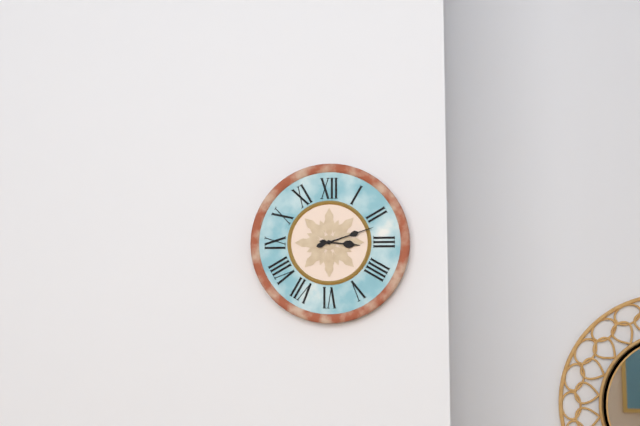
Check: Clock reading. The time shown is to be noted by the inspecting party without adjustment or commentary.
3:12
